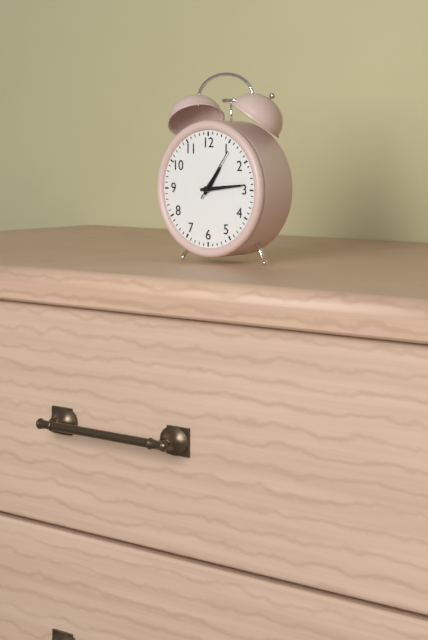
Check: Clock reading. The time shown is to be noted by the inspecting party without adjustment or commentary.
1:14:06
